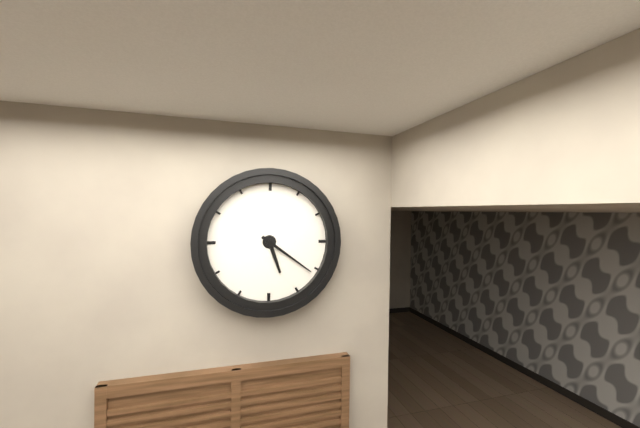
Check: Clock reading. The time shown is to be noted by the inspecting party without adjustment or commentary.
5:21
